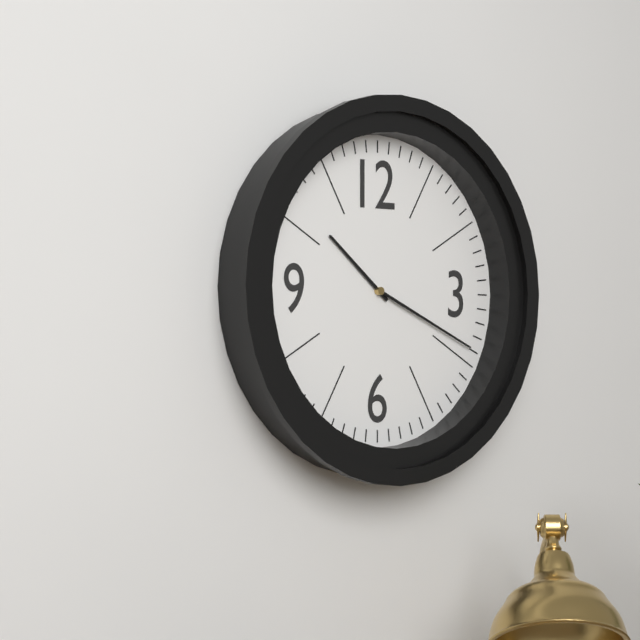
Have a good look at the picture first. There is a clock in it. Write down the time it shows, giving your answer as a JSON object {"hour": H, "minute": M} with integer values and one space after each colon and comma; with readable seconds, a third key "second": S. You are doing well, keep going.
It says {"hour": 10, "minute": 19}
